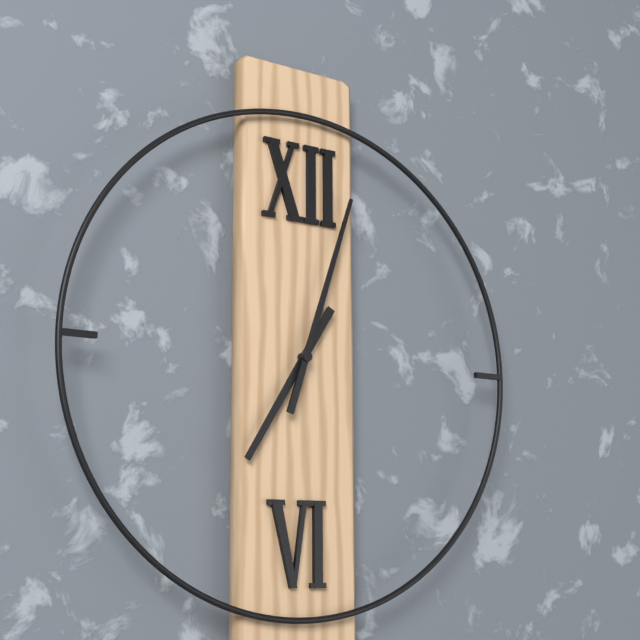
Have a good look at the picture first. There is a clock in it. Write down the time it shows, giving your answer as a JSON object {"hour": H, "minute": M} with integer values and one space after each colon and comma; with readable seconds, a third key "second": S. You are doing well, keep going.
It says {"hour": 7, "minute": 3}
